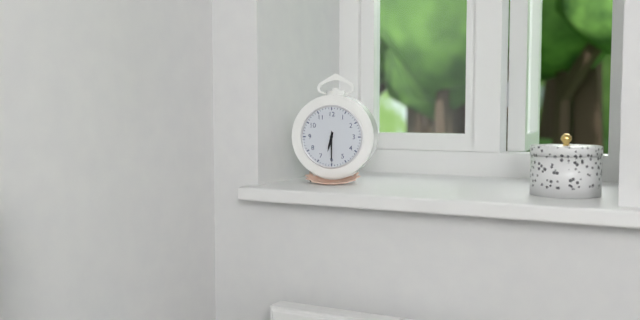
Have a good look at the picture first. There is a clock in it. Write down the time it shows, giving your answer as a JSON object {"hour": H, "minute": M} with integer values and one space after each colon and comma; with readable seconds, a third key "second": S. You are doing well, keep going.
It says {"hour": 6, "minute": 30}
